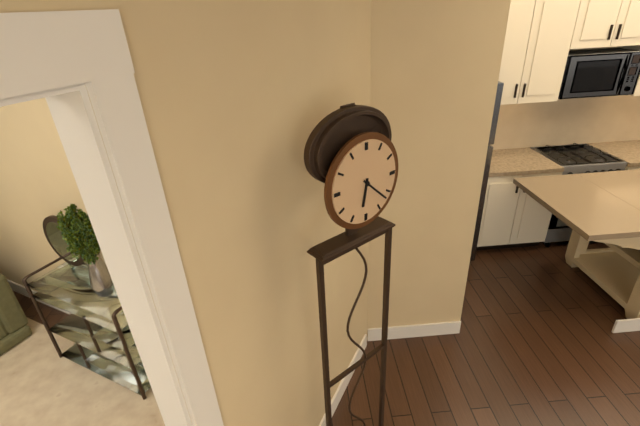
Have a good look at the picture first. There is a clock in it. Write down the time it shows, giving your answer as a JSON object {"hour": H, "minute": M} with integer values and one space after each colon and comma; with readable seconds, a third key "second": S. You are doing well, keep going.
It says {"hour": 6, "minute": 22}
